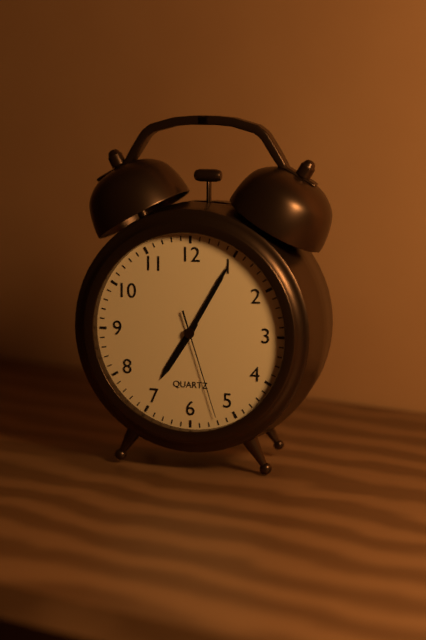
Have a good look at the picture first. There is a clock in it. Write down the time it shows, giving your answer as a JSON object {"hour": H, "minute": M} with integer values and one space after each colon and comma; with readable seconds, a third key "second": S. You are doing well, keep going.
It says {"hour": 7, "minute": 5, "second": 27}
